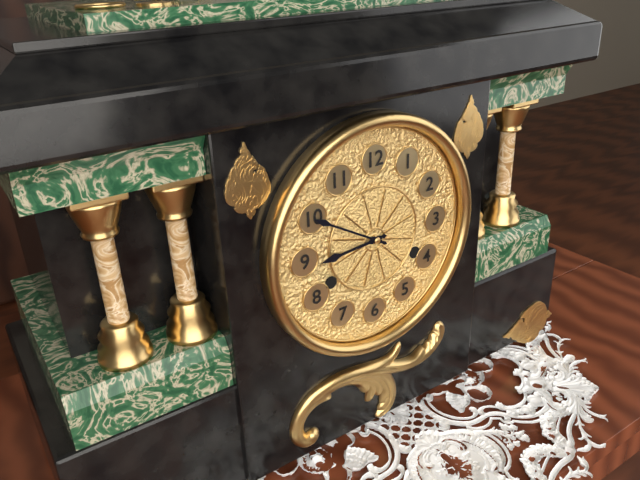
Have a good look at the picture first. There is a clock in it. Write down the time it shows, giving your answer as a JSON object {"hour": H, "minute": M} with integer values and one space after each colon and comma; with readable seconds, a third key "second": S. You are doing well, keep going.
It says {"hour": 8, "minute": 50}
